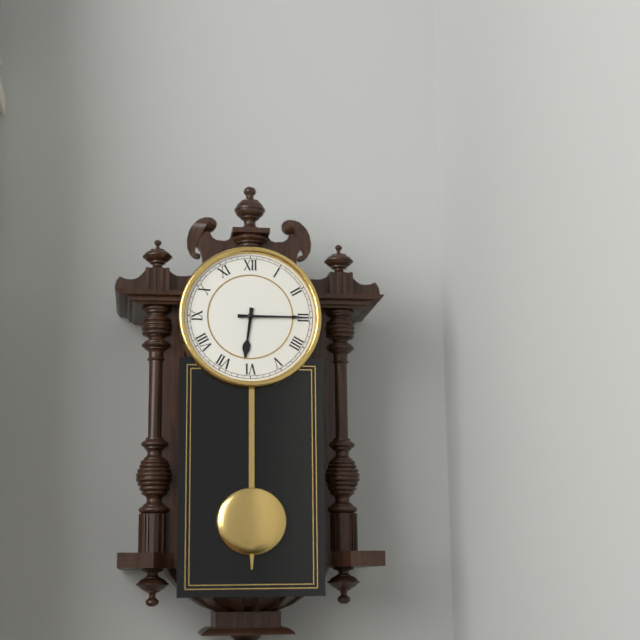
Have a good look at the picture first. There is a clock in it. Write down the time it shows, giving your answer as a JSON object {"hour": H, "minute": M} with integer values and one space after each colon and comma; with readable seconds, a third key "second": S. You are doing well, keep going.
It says {"hour": 6, "minute": 15}
